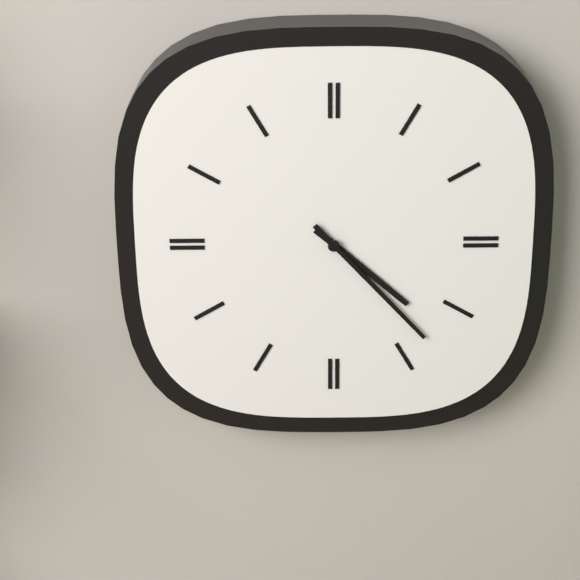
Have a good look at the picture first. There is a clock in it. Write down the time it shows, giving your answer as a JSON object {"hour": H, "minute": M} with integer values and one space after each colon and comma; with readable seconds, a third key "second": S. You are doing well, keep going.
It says {"hour": 4, "minute": 23}
